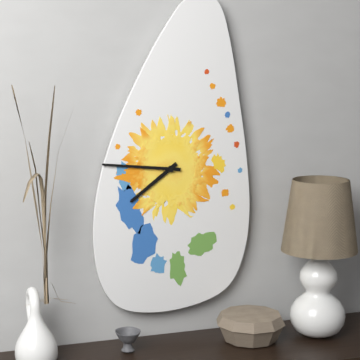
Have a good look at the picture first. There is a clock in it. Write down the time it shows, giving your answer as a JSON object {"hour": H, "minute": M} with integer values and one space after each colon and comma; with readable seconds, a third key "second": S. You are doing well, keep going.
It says {"hour": 7, "minute": 46}
